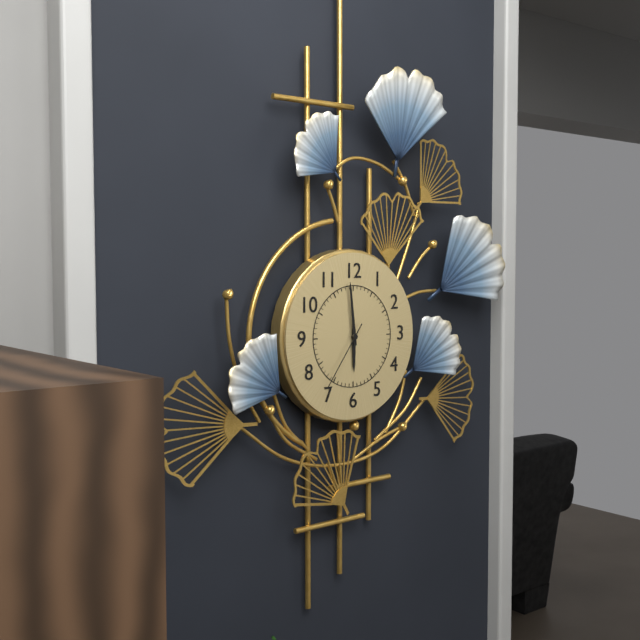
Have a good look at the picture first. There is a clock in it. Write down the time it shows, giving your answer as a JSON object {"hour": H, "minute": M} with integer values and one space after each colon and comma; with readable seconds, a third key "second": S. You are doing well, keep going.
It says {"hour": 5, "minute": 59, "second": 36}
